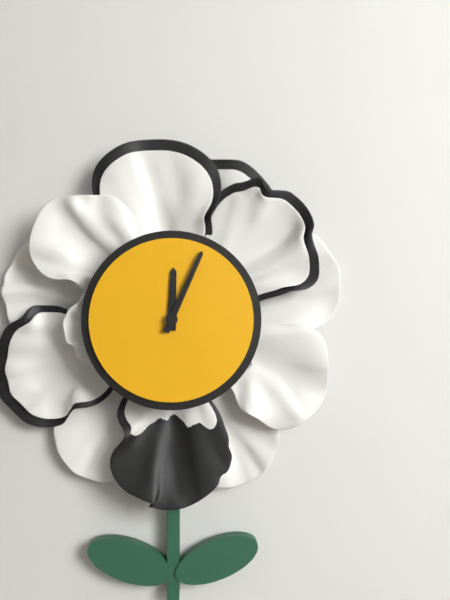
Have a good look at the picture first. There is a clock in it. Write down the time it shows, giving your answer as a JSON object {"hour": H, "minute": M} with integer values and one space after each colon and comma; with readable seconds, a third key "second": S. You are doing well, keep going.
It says {"hour": 12, "minute": 4}
